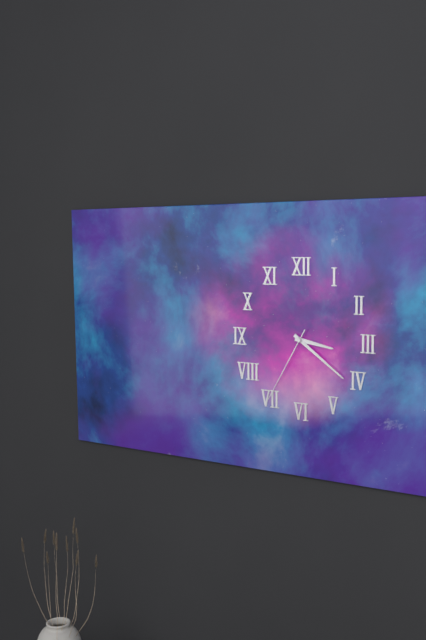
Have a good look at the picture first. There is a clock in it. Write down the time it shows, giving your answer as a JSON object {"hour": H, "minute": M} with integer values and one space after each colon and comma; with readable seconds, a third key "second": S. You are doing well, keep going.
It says {"hour": 3, "minute": 21, "second": 35}
